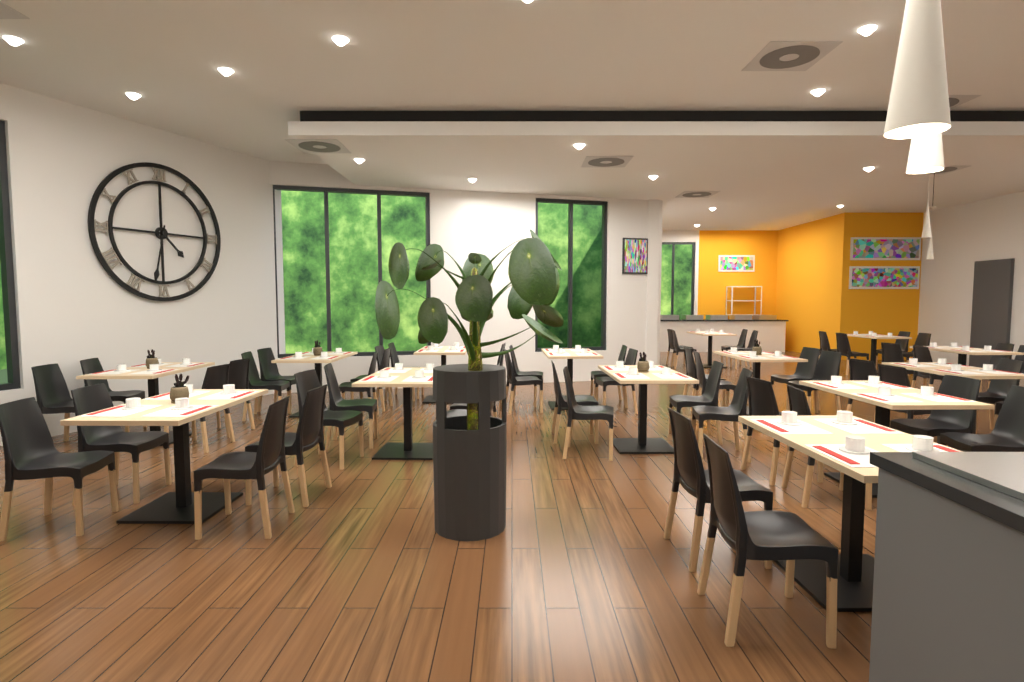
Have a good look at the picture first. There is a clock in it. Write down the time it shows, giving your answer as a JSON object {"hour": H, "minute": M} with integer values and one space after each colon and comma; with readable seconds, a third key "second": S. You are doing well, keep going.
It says {"hour": 4, "minute": 32}
